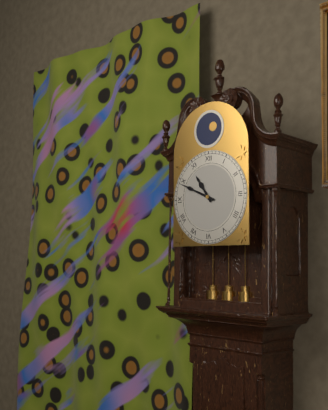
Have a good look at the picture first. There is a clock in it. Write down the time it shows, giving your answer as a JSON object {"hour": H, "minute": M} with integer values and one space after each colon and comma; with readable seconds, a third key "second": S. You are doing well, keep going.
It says {"hour": 10, "minute": 49}
